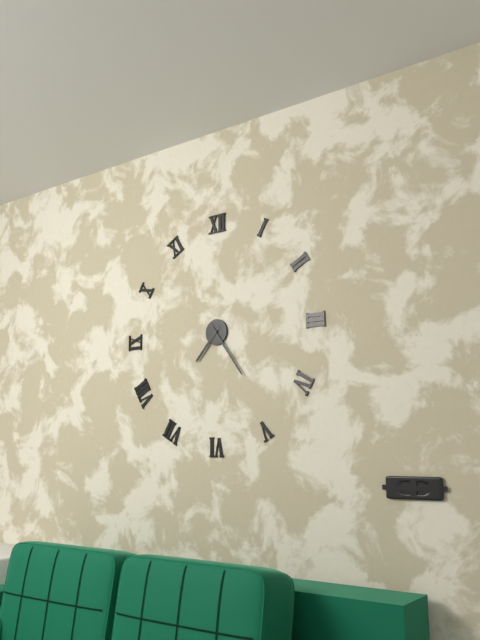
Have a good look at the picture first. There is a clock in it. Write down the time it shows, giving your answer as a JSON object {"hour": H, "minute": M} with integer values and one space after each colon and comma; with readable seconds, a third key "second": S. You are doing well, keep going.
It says {"hour": 7, "minute": 24}
